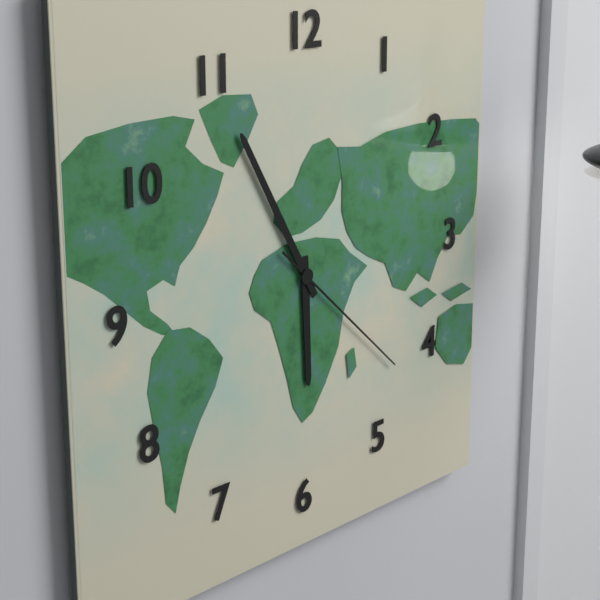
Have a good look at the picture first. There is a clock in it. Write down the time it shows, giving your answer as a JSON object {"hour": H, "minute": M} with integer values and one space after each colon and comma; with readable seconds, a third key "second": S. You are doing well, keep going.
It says {"hour": 5, "minute": 55, "second": 22}
